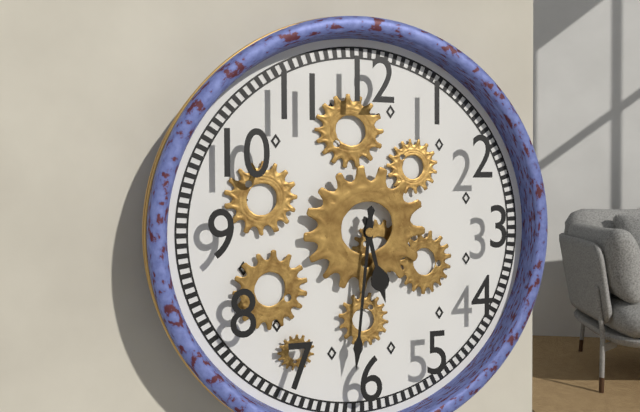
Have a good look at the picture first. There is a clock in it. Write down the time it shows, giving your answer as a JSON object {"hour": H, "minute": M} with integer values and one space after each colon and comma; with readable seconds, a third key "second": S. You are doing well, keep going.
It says {"hour": 5, "minute": 31}
